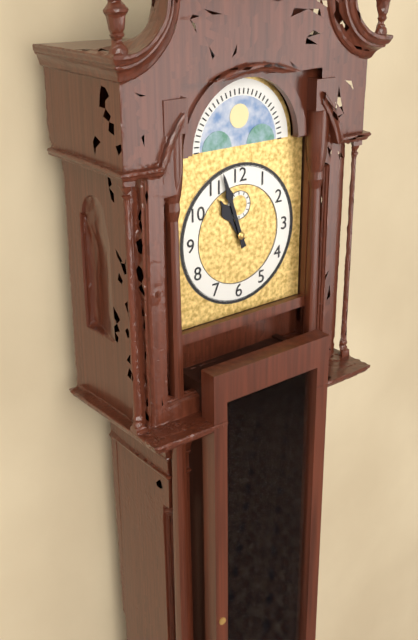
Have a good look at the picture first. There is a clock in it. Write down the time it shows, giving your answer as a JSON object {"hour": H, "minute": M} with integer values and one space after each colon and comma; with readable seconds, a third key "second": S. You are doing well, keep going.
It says {"hour": 10, "minute": 57}
